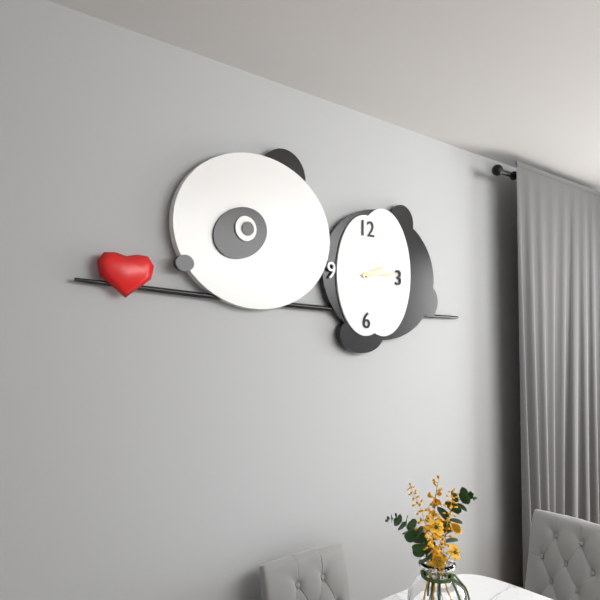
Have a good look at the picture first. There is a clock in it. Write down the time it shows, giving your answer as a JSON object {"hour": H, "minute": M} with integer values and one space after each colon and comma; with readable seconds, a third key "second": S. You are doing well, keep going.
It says {"hour": 2, "minute": 14}
